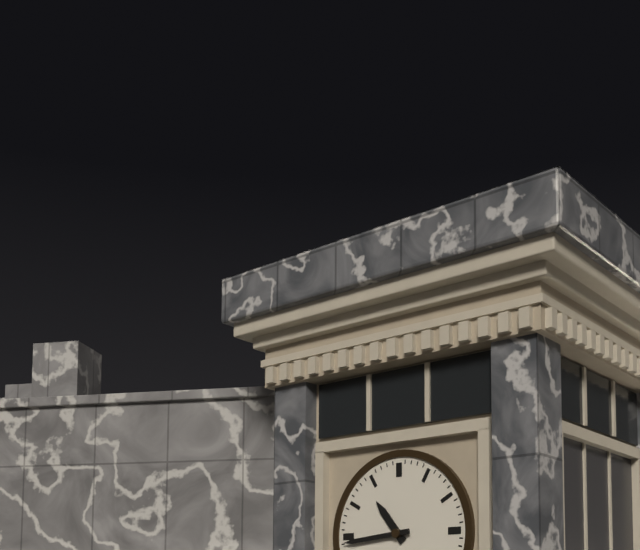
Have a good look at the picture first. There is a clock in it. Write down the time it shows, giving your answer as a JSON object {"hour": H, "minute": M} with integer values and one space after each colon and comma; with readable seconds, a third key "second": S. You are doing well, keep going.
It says {"hour": 10, "minute": 44}
